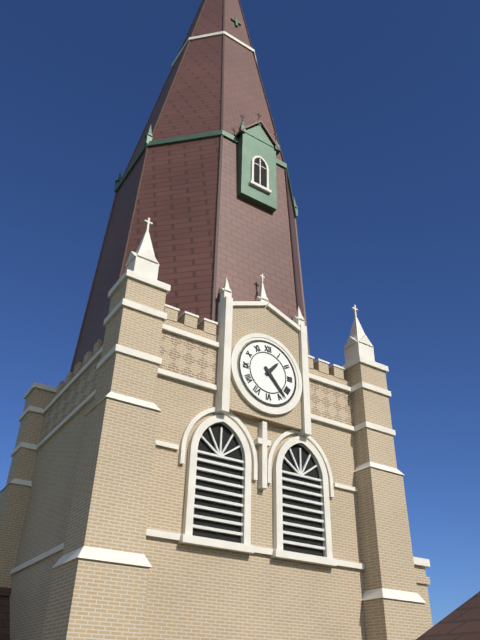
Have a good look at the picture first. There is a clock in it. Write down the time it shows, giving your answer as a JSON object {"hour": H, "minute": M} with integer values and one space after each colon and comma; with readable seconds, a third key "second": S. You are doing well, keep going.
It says {"hour": 1, "minute": 23}
